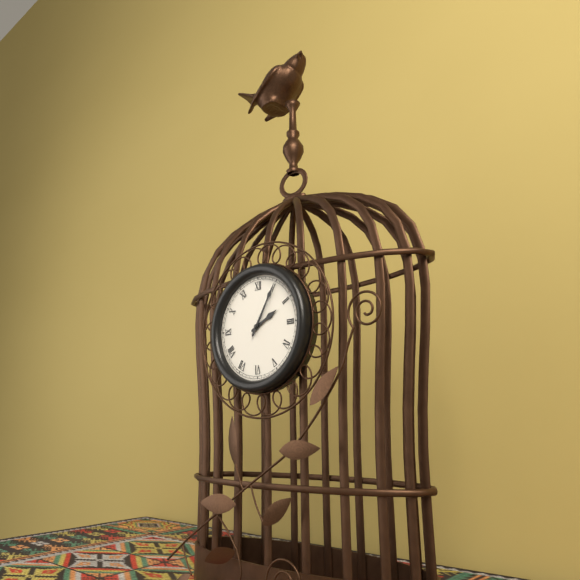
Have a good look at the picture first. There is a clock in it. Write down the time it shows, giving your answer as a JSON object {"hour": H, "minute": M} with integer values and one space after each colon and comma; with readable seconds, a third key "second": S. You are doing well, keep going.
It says {"hour": 2, "minute": 5}
